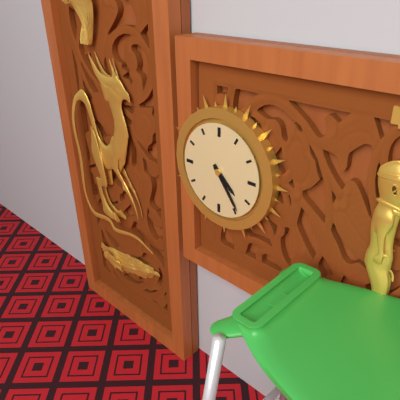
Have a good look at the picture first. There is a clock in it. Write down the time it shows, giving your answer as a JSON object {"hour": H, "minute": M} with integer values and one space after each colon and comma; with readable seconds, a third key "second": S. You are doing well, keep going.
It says {"hour": 4, "minute": 24}
